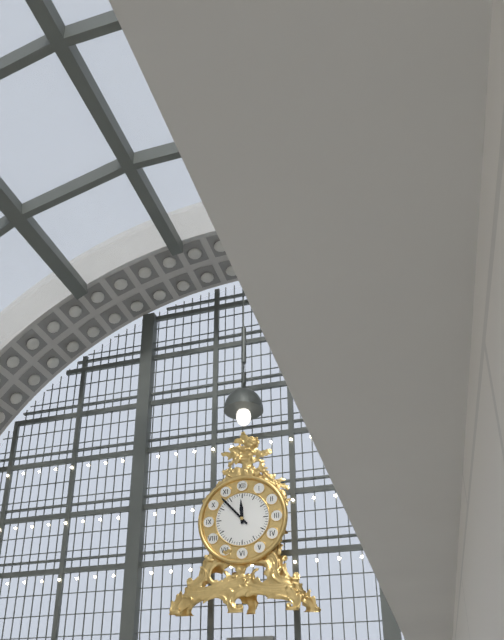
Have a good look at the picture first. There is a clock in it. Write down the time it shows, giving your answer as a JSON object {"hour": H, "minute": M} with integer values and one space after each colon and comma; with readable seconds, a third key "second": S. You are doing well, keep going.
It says {"hour": 11, "minute": 53}
